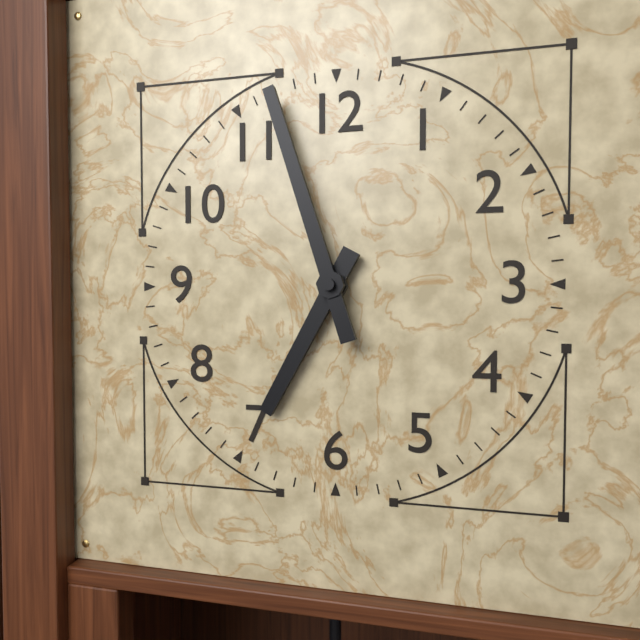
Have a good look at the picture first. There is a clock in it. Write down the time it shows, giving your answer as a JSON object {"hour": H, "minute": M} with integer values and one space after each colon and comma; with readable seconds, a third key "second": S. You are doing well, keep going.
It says {"hour": 6, "minute": 57}
